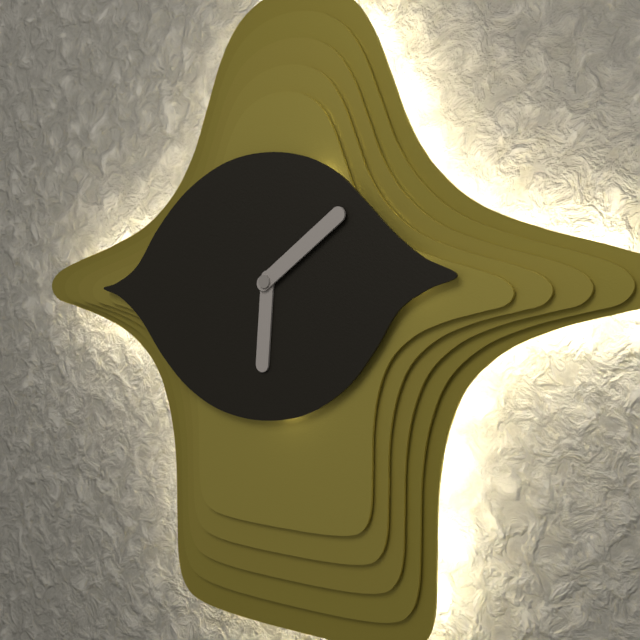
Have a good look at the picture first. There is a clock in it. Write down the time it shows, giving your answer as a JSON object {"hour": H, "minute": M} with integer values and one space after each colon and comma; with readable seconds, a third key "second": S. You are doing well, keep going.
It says {"hour": 6, "minute": 9}
